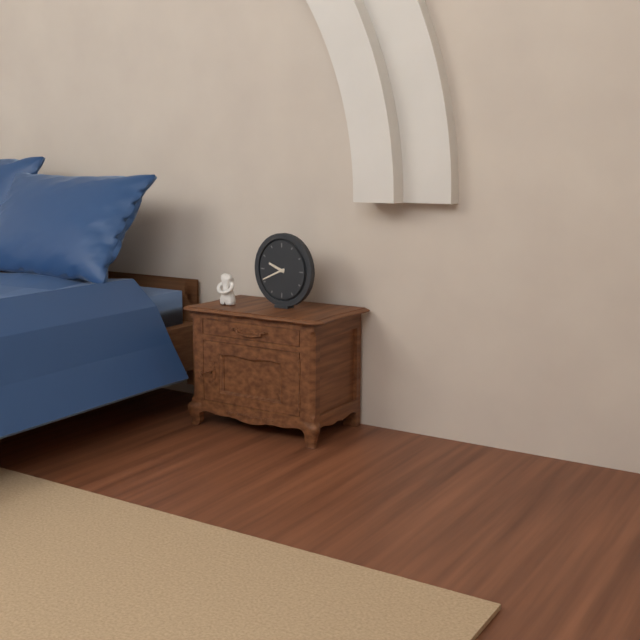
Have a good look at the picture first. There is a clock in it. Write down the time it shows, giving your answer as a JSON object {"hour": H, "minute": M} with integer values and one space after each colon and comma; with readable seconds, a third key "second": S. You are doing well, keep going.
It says {"hour": 9, "minute": 41}
